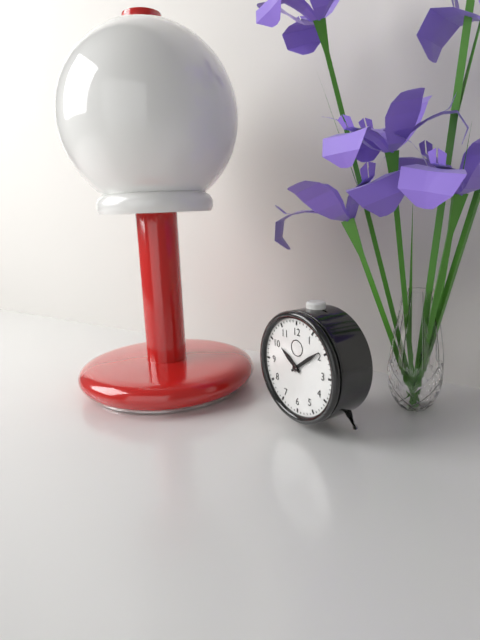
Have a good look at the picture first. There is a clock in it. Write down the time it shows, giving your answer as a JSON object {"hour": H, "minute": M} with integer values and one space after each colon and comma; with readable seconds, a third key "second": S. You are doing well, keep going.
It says {"hour": 10, "minute": 9}
